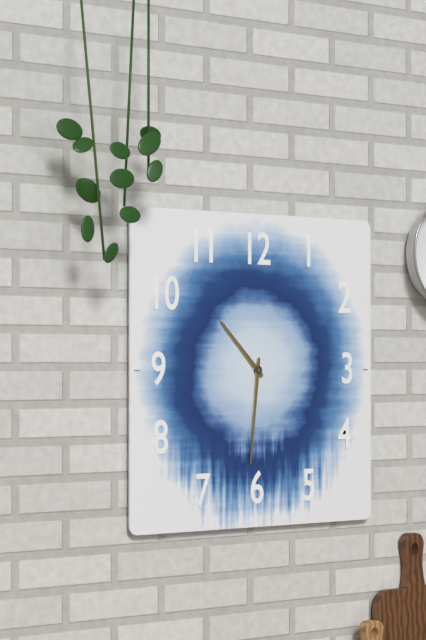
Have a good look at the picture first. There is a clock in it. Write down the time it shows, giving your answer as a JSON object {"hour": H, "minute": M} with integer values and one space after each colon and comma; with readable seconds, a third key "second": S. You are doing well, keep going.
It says {"hour": 10, "minute": 31}
